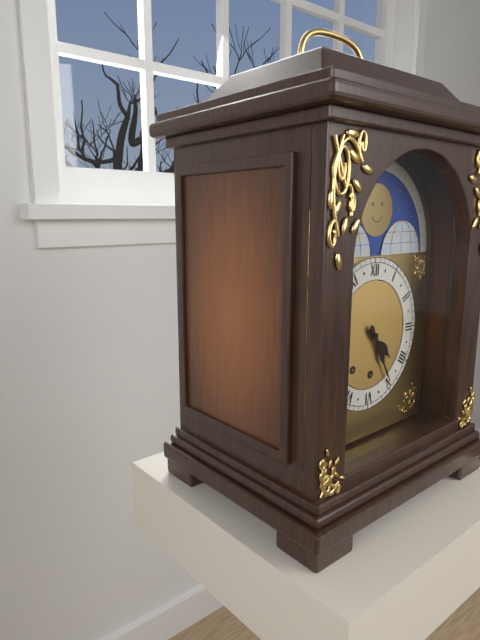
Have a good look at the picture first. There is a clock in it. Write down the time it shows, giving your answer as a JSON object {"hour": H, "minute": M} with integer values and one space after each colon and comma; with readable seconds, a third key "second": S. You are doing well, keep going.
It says {"hour": 4, "minute": 25}
